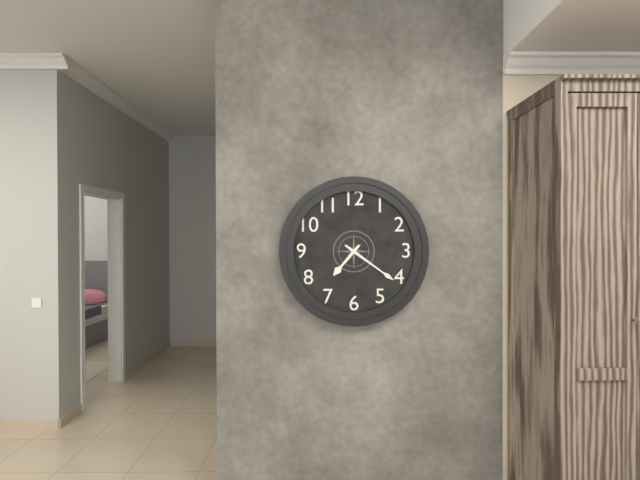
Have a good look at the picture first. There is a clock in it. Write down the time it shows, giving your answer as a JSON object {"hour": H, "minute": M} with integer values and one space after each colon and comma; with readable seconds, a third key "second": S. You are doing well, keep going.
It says {"hour": 7, "minute": 21}
